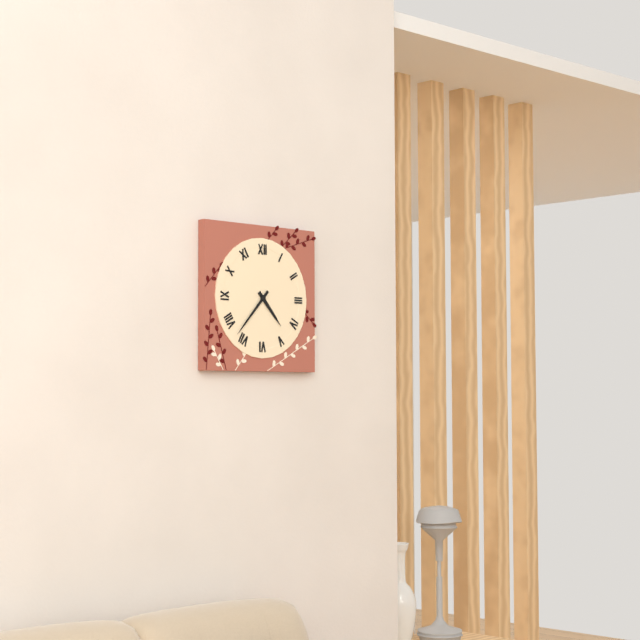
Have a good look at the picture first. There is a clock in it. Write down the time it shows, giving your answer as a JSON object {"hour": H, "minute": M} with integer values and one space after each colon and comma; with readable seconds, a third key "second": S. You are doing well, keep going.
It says {"hour": 4, "minute": 37}
